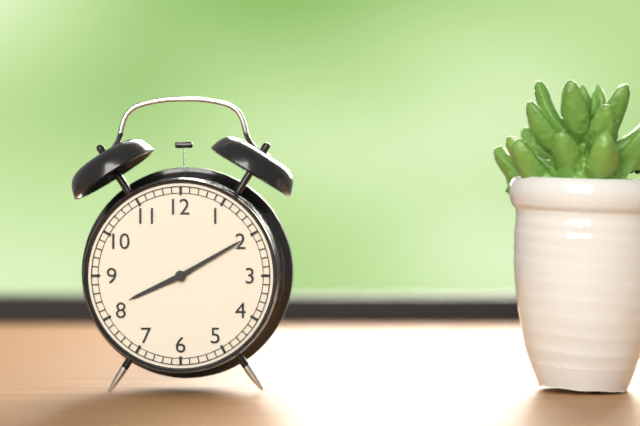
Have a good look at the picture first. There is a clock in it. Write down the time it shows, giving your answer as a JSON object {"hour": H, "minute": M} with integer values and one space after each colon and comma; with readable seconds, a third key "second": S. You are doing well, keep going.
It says {"hour": 8, "minute": 10}
